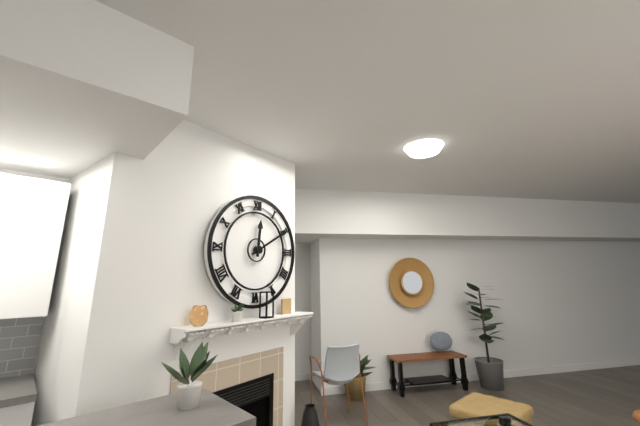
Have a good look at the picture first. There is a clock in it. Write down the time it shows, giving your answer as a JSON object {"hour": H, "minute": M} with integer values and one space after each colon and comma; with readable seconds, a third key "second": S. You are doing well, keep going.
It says {"hour": 12, "minute": 10}
